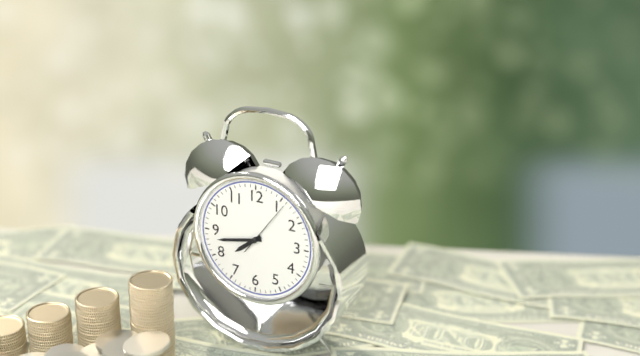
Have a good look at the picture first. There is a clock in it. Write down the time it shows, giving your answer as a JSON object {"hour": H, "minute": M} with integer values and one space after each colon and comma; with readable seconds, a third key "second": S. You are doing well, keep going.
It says {"hour": 7, "minute": 43, "second": 6}
